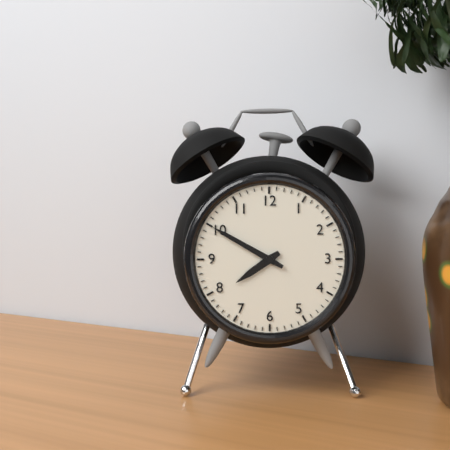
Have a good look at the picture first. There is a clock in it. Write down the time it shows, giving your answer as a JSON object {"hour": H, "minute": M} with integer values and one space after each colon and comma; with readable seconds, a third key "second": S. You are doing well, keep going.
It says {"hour": 7, "minute": 50}
